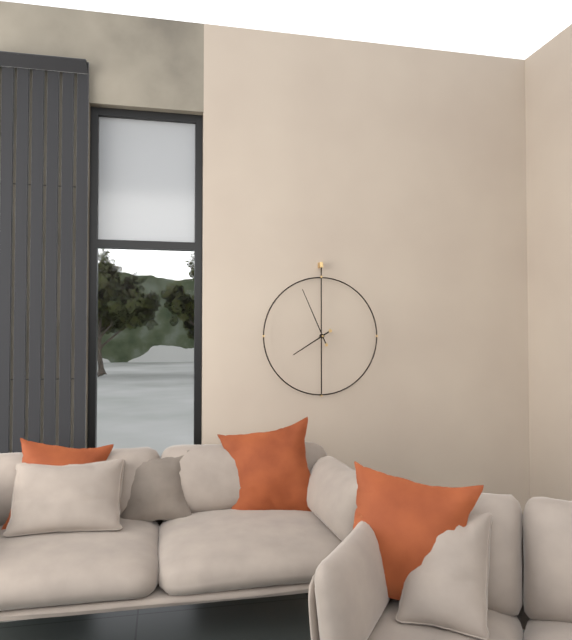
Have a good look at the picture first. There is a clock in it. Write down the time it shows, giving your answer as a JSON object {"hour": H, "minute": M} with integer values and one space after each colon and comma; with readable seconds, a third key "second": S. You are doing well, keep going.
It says {"hour": 7, "minute": 56}
